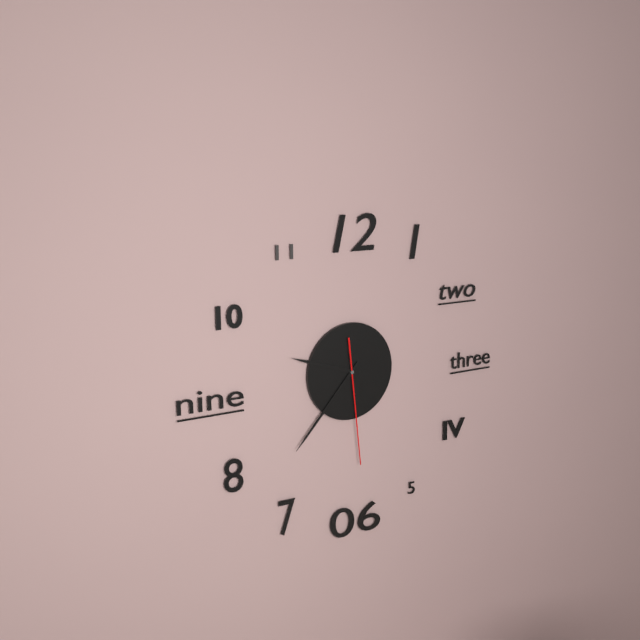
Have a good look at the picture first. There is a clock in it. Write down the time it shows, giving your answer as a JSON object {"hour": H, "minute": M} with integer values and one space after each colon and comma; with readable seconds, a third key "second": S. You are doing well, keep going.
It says {"hour": 9, "minute": 37, "second": 29}
